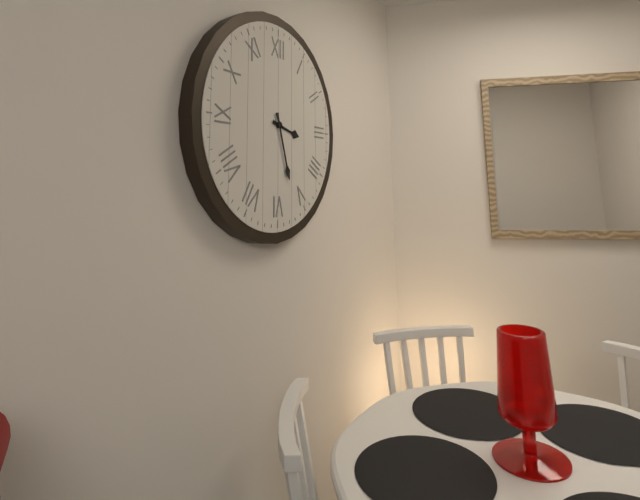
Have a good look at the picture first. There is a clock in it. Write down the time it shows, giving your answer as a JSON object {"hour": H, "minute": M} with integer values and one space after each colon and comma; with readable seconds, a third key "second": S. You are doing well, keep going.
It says {"hour": 3, "minute": 27}
